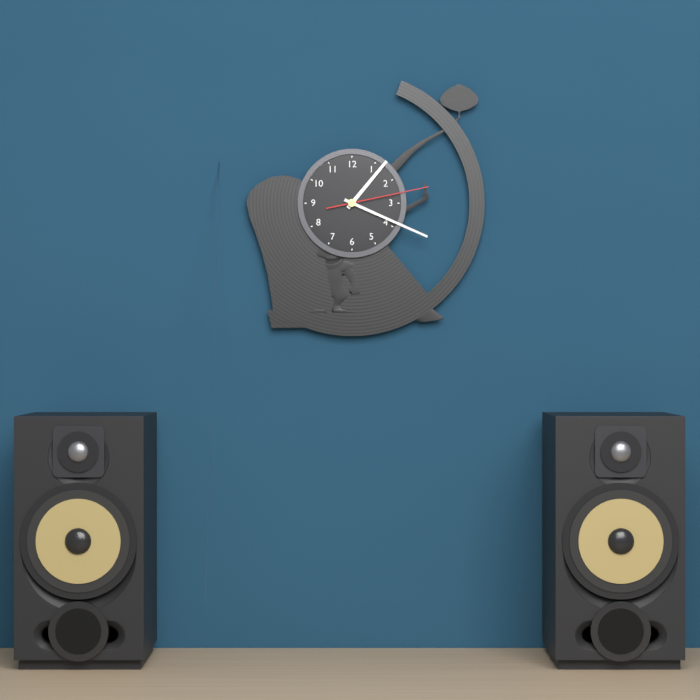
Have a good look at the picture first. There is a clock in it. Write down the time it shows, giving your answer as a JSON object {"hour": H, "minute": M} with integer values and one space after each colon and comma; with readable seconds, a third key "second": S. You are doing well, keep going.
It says {"hour": 1, "minute": 19, "second": 13}
